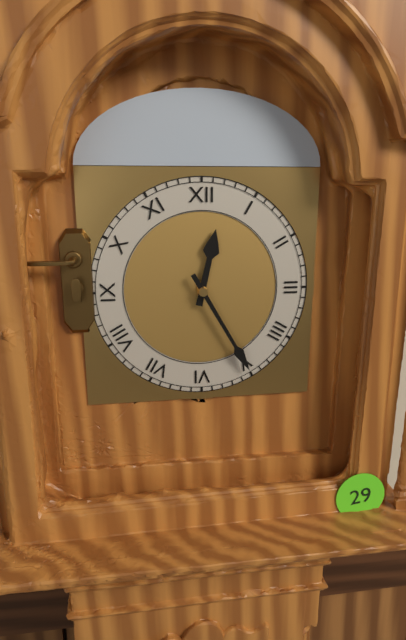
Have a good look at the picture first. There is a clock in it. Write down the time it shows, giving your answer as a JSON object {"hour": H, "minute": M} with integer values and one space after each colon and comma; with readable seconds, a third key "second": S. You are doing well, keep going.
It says {"hour": 12, "minute": 25}
